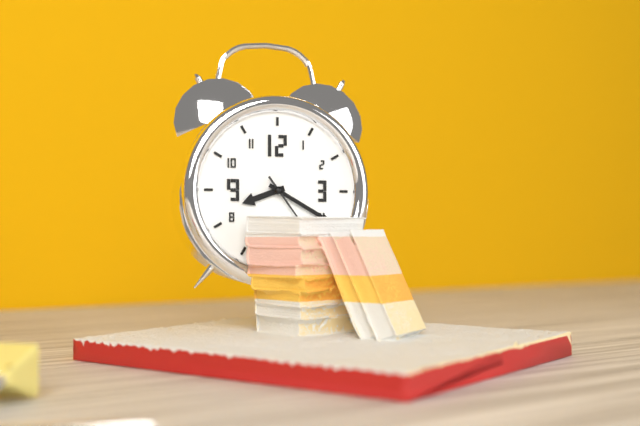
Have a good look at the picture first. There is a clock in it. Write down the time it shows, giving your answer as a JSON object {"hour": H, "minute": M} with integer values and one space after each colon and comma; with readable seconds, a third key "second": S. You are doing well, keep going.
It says {"hour": 8, "minute": 20}
